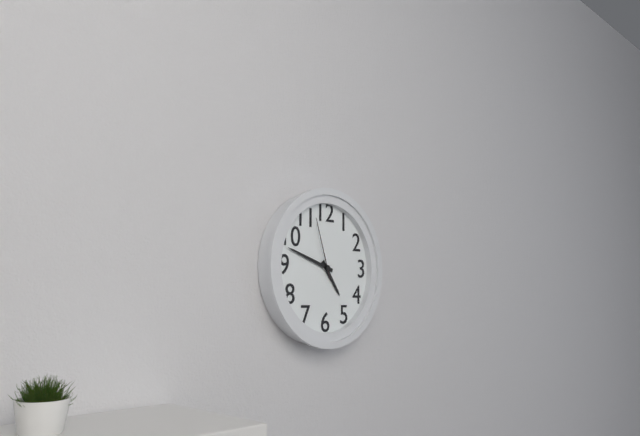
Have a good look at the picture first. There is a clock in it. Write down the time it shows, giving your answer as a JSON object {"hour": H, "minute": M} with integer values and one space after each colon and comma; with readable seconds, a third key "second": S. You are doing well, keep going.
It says {"hour": 4, "minute": 48, "second": 57}
